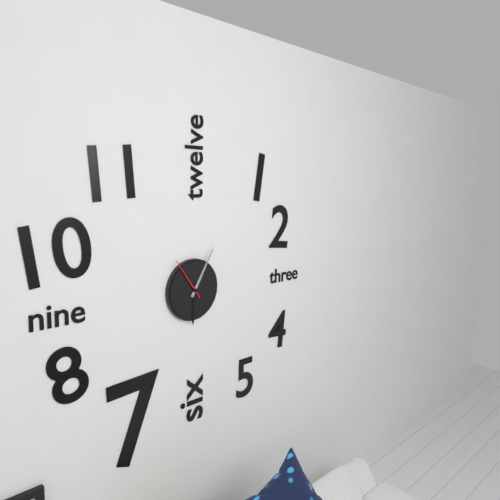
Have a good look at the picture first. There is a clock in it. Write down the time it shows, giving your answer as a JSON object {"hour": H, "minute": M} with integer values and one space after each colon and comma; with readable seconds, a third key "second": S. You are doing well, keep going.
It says {"hour": 6, "minute": 5}
